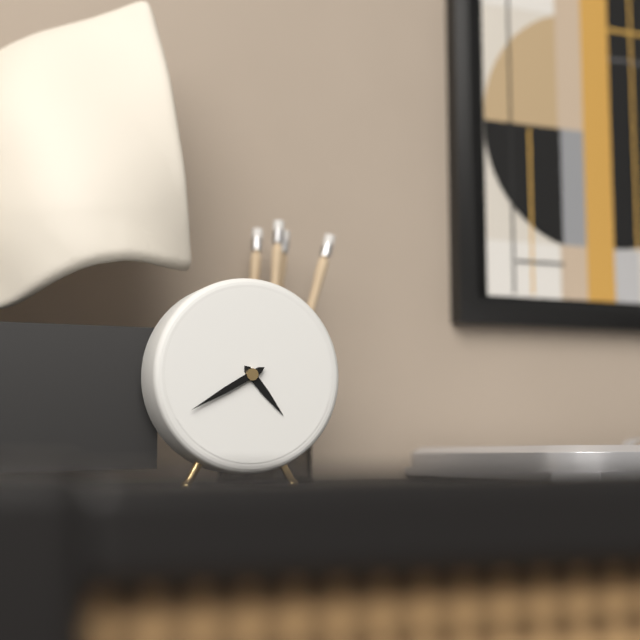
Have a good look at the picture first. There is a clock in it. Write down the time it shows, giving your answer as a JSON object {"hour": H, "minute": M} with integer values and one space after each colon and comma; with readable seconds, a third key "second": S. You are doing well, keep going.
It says {"hour": 4, "minute": 40}
